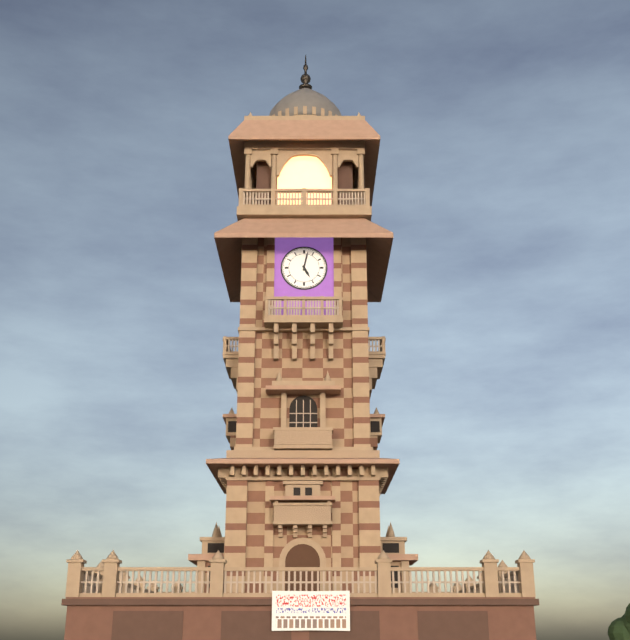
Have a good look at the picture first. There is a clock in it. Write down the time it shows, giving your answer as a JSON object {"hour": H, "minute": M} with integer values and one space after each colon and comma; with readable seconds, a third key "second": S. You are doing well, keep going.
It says {"hour": 5, "minute": 2}
